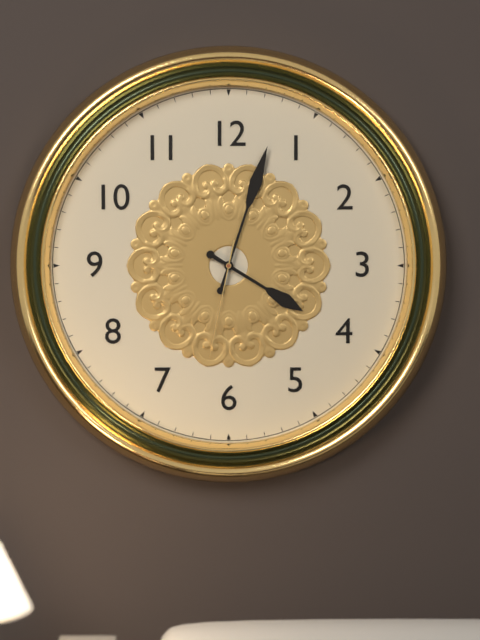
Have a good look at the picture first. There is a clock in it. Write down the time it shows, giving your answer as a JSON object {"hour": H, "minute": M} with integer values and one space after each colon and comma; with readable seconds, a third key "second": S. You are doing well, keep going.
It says {"hour": 4, "minute": 3, "second": 32}
